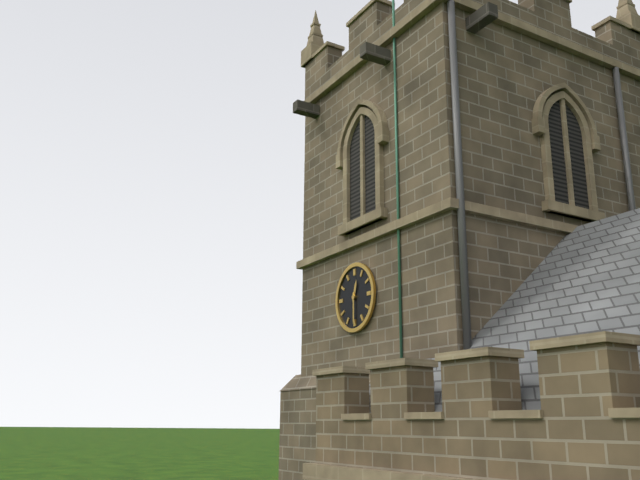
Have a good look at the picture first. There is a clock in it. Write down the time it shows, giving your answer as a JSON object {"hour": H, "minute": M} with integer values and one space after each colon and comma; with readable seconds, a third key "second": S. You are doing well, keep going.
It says {"hour": 12, "minute": 30}
